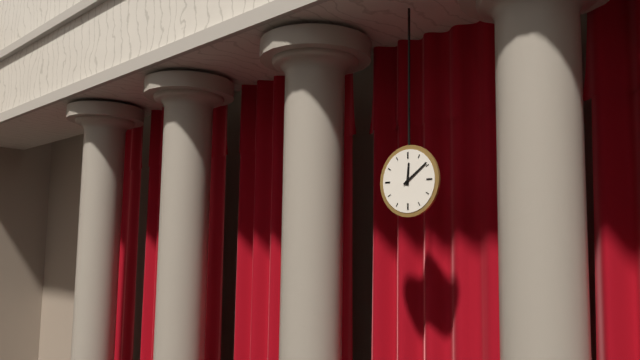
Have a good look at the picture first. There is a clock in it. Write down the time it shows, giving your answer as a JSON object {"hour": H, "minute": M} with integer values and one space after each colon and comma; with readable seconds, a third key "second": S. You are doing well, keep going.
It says {"hour": 12, "minute": 9}
